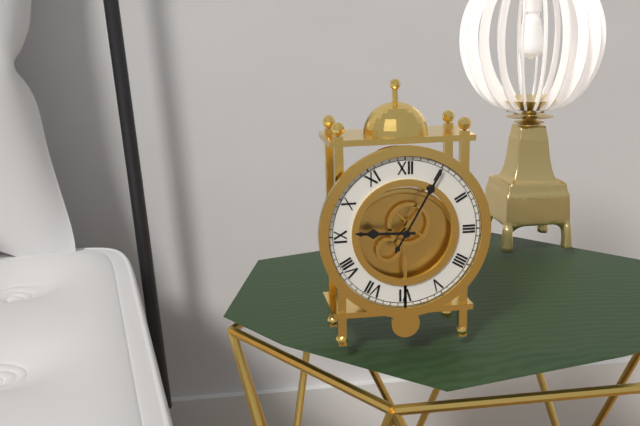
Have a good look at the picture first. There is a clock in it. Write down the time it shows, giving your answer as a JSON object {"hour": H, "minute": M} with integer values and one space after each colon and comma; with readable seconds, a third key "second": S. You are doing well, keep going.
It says {"hour": 9, "minute": 5}
